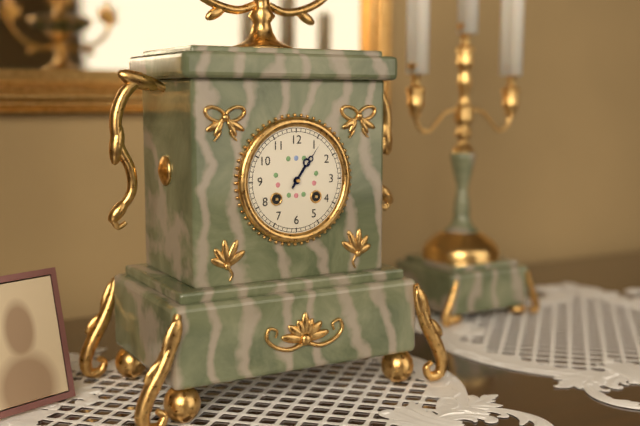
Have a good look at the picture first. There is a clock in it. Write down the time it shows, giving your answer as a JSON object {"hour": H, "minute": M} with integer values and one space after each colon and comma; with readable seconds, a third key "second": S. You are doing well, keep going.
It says {"hour": 1, "minute": 6}
